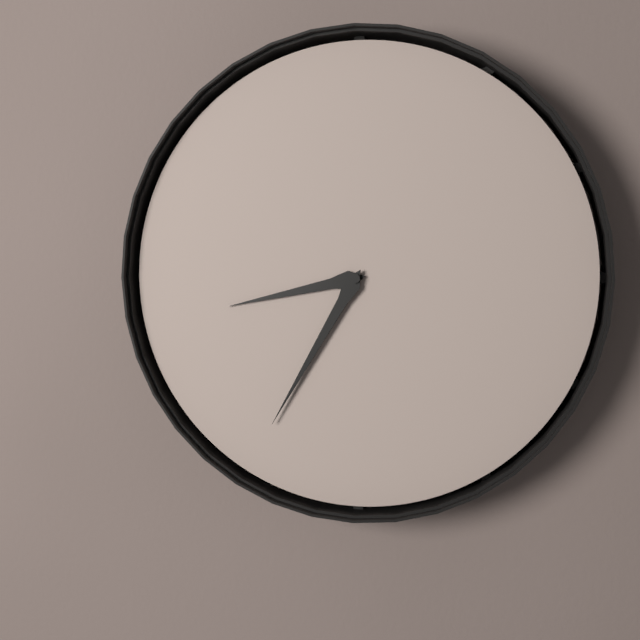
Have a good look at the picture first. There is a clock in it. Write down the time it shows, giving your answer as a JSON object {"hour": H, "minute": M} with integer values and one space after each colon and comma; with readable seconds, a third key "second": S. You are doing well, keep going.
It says {"hour": 8, "minute": 35}
